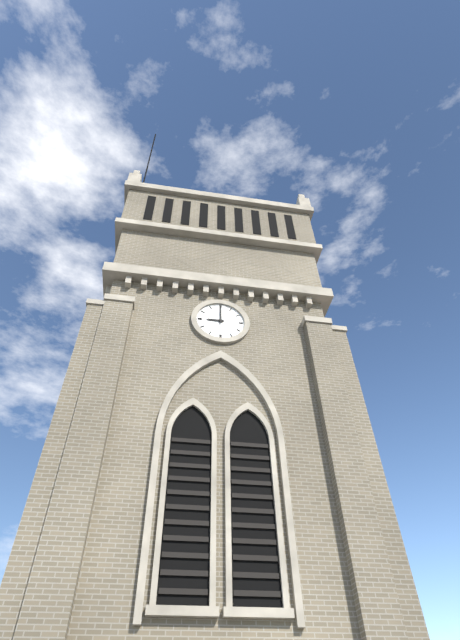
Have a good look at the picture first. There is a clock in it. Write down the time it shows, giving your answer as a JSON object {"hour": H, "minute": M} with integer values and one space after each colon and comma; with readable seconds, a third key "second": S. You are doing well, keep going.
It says {"hour": 9, "minute": 0}
